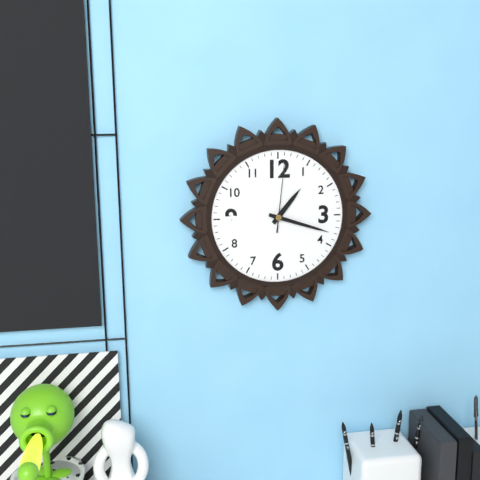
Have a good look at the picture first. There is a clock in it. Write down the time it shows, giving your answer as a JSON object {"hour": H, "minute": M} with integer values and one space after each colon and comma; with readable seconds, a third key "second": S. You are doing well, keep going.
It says {"hour": 1, "minute": 18, "second": 1}
